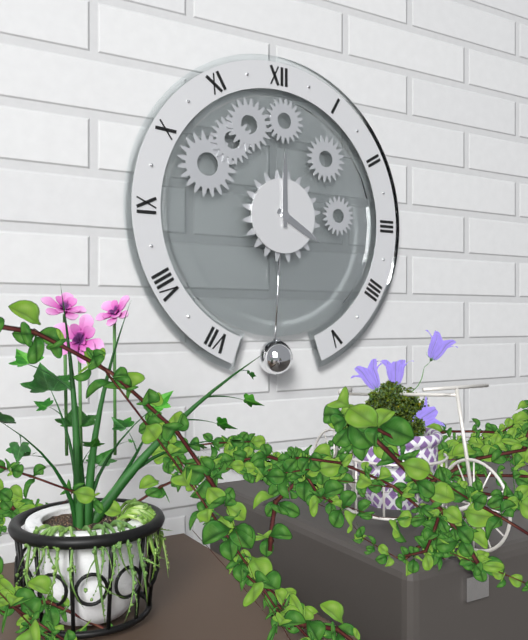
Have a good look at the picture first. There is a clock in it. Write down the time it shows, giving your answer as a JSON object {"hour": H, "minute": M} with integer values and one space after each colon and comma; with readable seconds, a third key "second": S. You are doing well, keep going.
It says {"hour": 4, "minute": 0}
